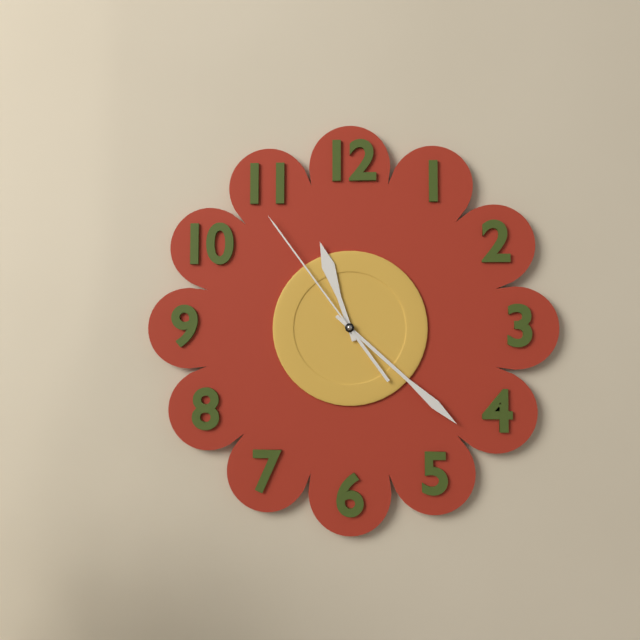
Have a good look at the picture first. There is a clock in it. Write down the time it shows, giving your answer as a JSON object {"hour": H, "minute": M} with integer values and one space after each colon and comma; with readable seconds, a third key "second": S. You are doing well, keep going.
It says {"hour": 11, "minute": 22, "second": 54}
